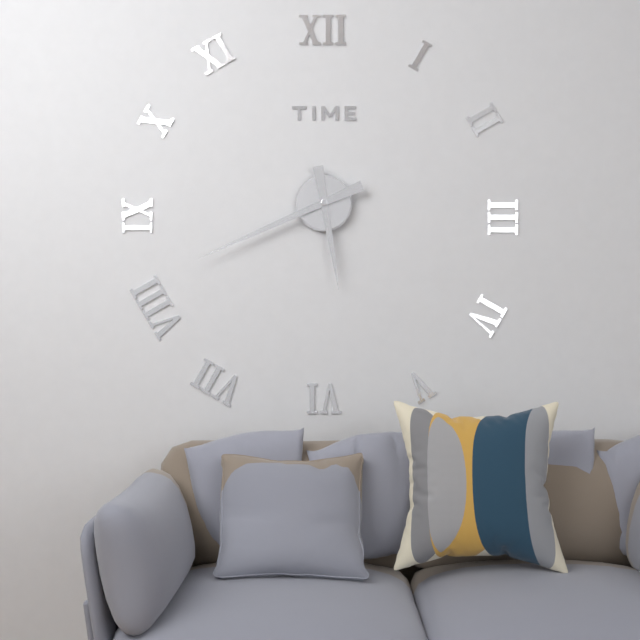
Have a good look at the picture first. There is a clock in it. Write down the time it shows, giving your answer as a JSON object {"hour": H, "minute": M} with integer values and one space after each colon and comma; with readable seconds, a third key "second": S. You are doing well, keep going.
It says {"hour": 5, "minute": 41}
